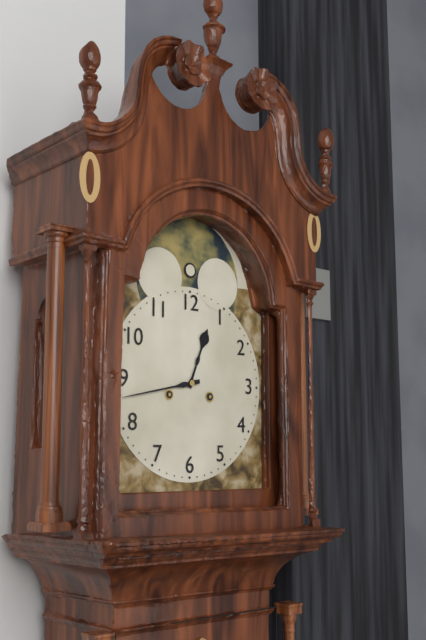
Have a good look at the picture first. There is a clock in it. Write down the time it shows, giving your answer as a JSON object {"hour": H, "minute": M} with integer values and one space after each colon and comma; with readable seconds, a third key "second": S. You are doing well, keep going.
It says {"hour": 12, "minute": 43}
